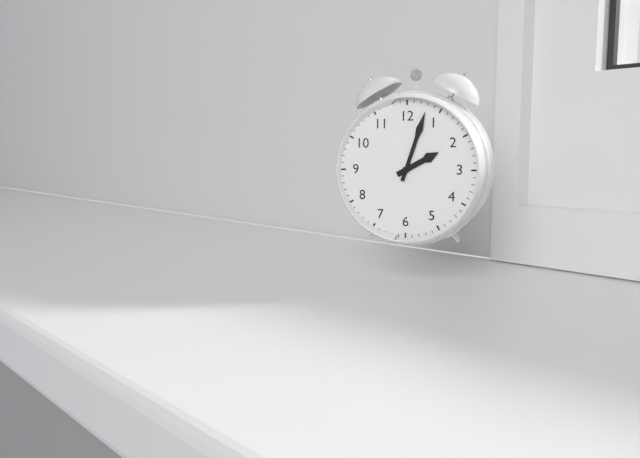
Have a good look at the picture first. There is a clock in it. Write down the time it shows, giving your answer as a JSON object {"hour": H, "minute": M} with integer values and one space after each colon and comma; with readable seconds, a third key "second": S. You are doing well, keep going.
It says {"hour": 2, "minute": 3}
